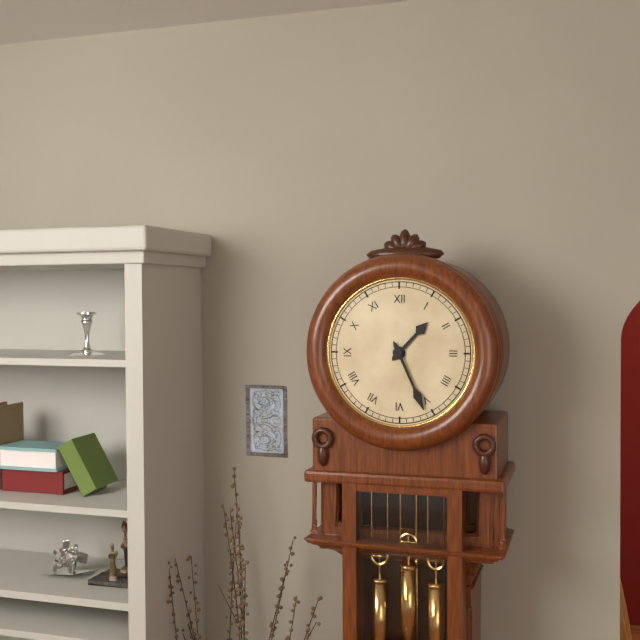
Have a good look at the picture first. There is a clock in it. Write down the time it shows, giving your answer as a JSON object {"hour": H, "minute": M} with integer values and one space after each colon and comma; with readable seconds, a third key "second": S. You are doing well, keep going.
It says {"hour": 1, "minute": 26}
